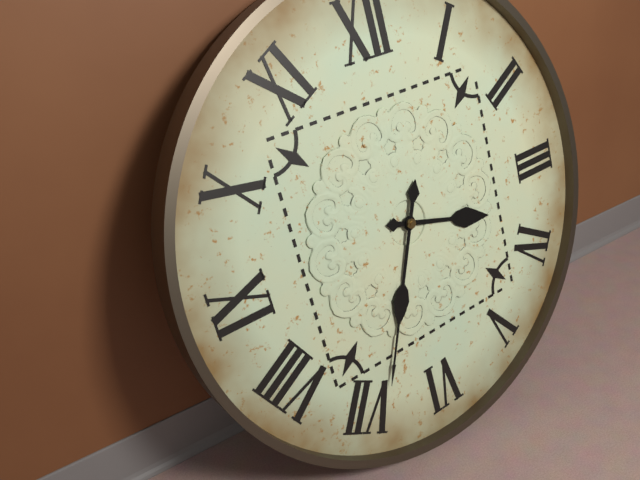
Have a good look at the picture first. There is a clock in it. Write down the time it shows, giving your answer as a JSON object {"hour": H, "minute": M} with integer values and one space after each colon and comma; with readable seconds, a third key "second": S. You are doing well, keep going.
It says {"hour": 3, "minute": 34}
